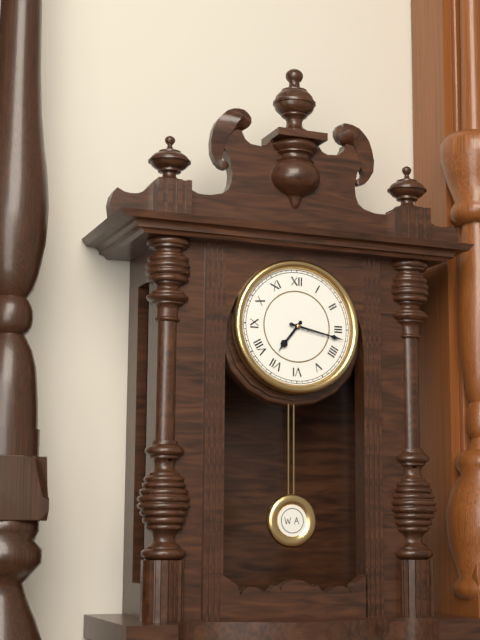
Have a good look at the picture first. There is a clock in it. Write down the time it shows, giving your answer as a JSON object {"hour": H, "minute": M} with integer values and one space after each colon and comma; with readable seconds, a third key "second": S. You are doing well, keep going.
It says {"hour": 7, "minute": 17}
